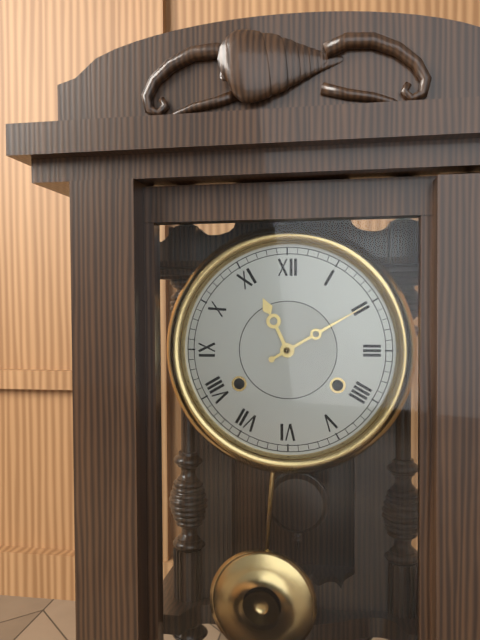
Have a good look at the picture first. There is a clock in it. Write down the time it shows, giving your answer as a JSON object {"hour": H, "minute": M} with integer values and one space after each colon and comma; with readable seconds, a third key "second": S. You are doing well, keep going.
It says {"hour": 11, "minute": 10}
